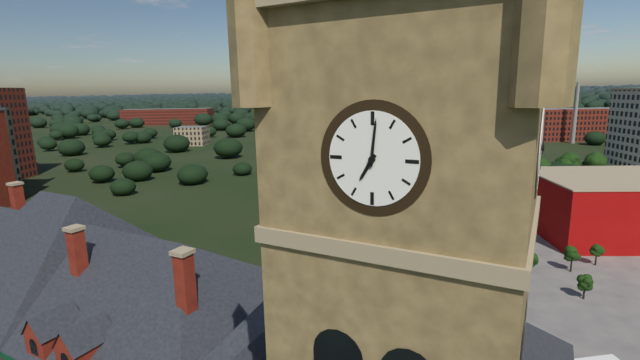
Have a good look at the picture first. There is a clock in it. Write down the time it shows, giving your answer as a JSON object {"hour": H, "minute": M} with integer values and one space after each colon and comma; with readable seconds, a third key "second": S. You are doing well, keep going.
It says {"hour": 7, "minute": 1}
